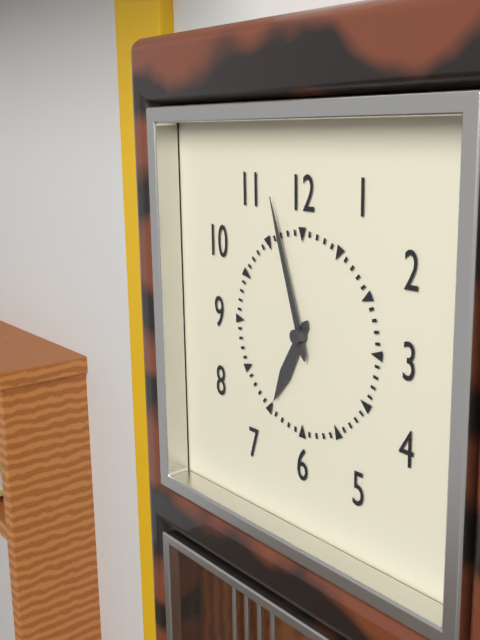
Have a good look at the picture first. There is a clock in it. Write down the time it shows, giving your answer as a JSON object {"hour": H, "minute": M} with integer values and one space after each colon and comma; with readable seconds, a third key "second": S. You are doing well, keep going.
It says {"hour": 6, "minute": 57}
